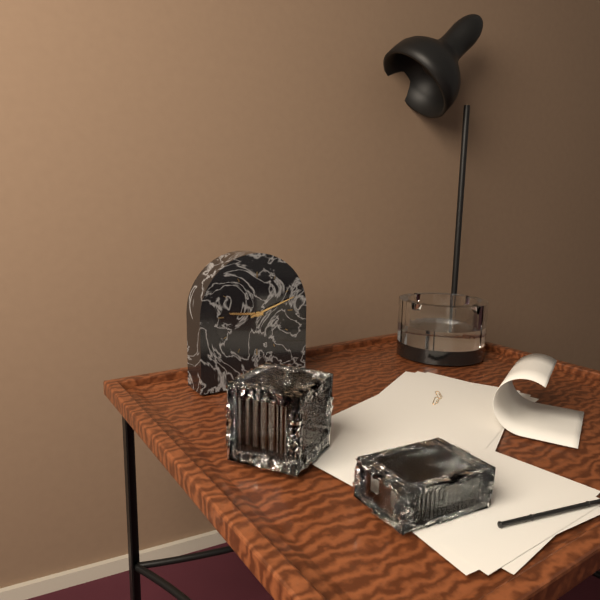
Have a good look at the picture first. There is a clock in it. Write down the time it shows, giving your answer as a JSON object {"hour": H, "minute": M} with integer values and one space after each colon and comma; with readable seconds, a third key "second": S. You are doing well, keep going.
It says {"hour": 9, "minute": 12}
